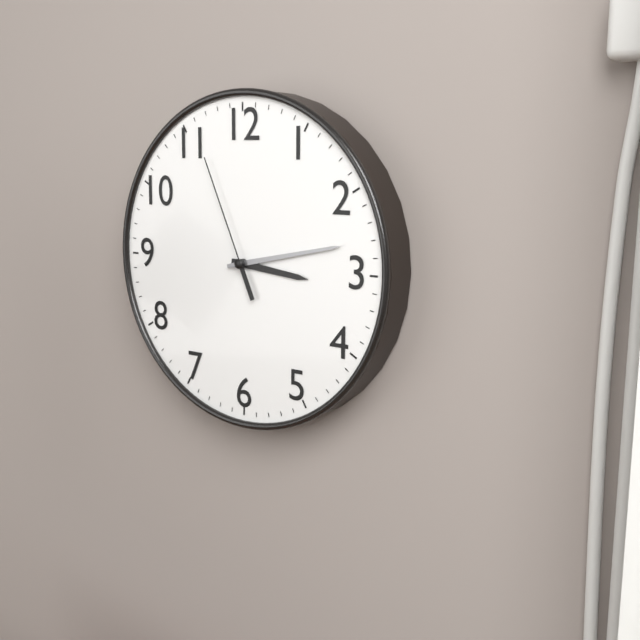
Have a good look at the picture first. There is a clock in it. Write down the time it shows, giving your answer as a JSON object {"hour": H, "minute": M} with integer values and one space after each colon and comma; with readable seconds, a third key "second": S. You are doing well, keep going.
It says {"hour": 3, "minute": 13, "second": 56}
